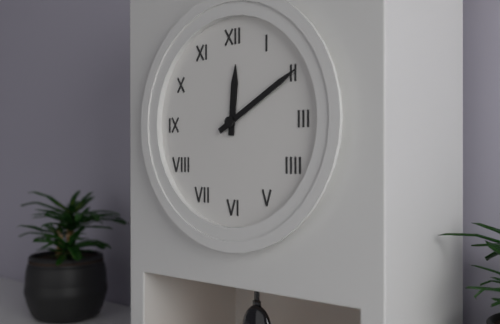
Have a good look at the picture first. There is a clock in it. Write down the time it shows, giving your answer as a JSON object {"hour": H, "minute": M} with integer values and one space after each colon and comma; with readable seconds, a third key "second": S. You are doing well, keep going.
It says {"hour": 12, "minute": 10}
